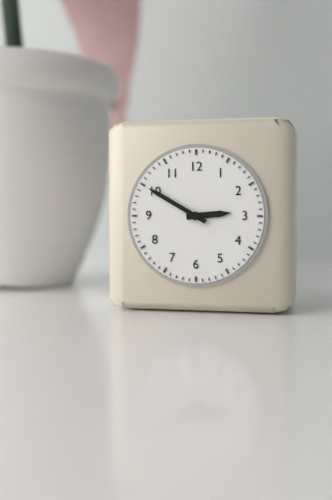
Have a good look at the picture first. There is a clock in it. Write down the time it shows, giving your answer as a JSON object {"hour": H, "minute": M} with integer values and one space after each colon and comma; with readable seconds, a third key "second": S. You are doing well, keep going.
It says {"hour": 2, "minute": 50}
